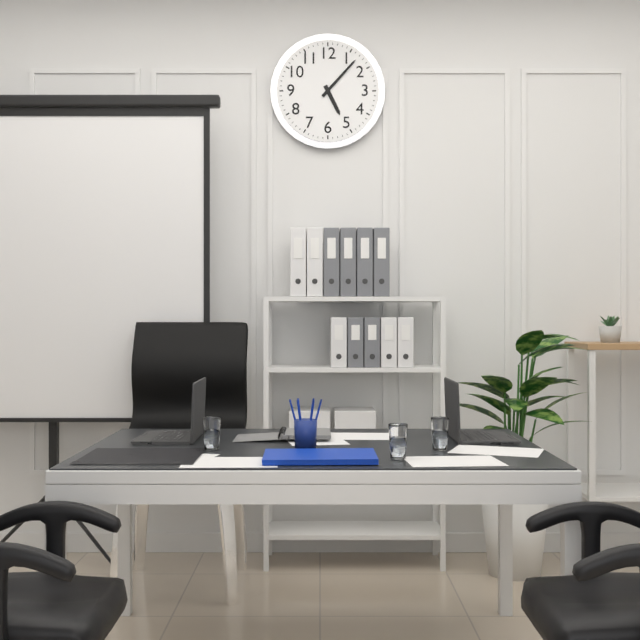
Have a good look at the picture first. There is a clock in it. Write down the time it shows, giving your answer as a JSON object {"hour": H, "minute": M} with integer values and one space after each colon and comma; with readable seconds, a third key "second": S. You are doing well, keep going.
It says {"hour": 5, "minute": 7}
